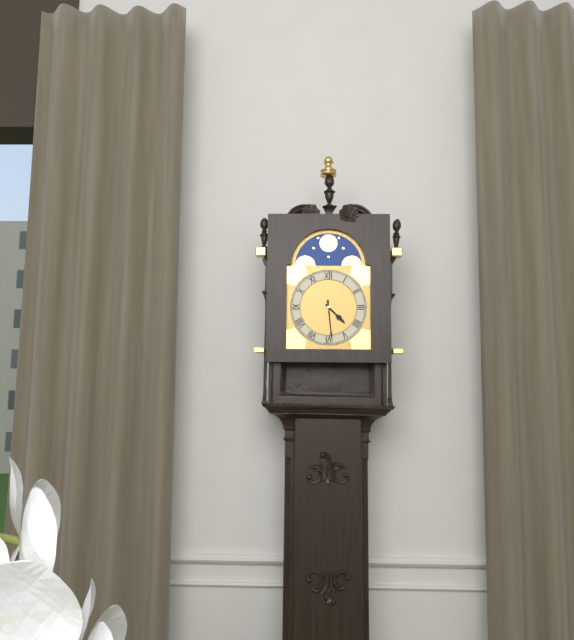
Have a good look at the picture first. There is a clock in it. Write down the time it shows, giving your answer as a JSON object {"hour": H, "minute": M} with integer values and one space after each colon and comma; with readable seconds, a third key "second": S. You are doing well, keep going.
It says {"hour": 4, "minute": 29}
